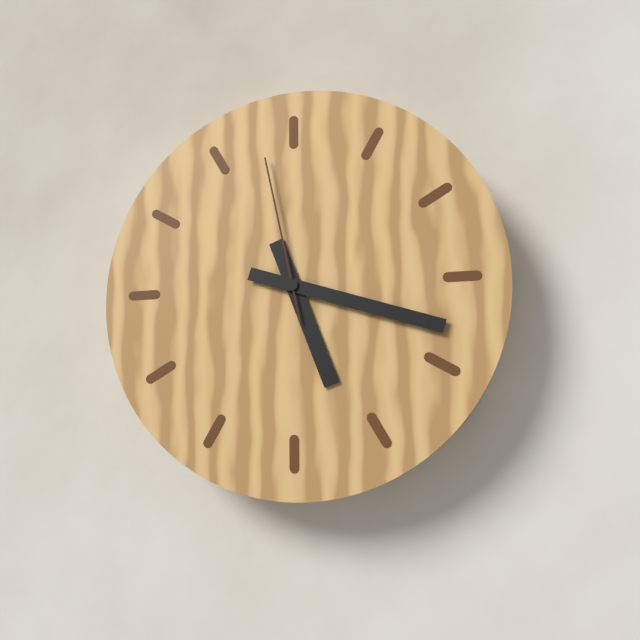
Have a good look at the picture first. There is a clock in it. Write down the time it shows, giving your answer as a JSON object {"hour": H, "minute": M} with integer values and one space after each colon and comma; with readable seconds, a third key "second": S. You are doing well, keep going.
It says {"hour": 5, "minute": 18, "second": 58}
